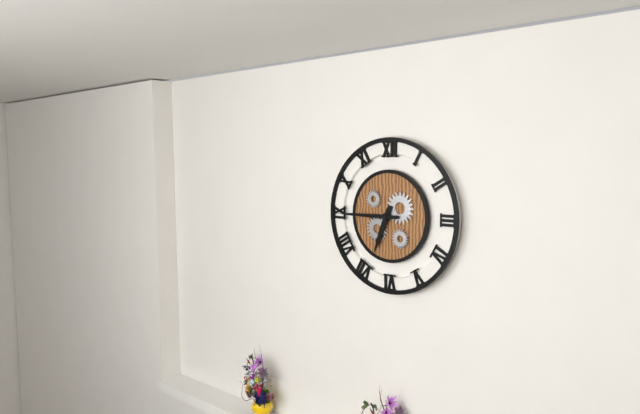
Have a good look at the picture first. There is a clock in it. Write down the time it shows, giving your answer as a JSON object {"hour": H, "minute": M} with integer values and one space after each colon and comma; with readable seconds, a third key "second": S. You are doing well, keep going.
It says {"hour": 6, "minute": 45}
